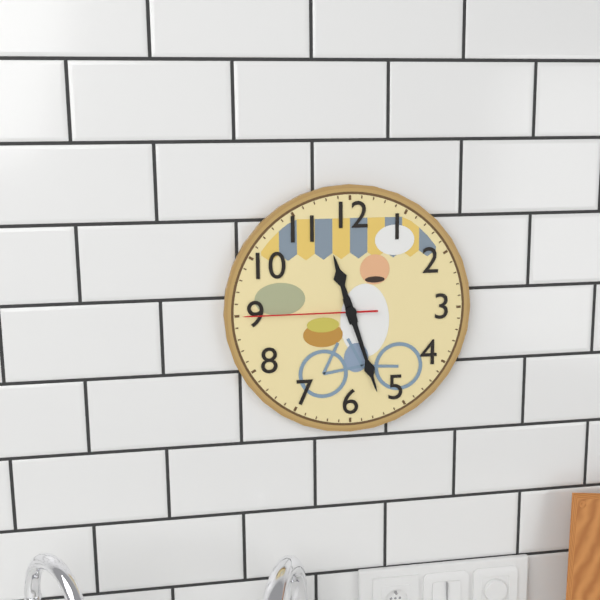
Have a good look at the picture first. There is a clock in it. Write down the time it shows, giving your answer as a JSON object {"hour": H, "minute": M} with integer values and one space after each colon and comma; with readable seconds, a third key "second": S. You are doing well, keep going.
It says {"hour": 11, "minute": 27, "second": 45}
